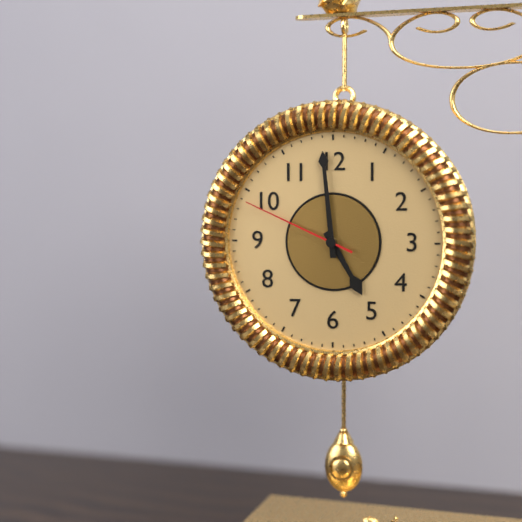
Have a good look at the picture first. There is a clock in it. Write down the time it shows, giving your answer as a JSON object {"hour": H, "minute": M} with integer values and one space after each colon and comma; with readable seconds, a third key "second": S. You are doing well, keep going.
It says {"hour": 4, "minute": 59, "second": 49}
